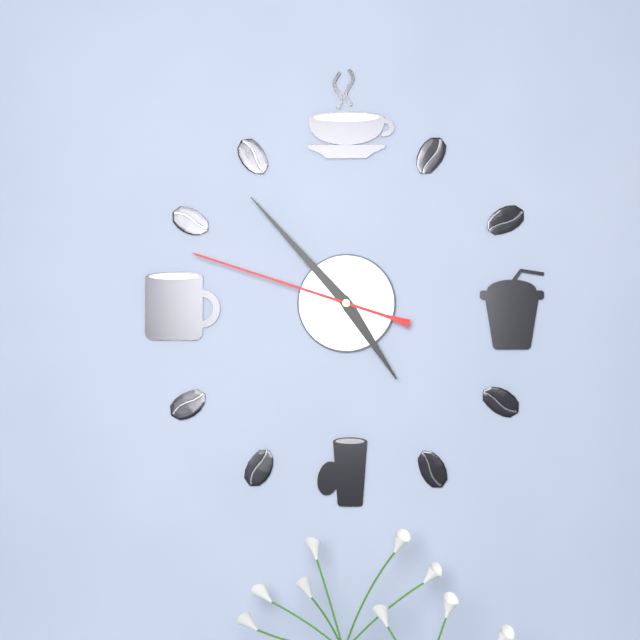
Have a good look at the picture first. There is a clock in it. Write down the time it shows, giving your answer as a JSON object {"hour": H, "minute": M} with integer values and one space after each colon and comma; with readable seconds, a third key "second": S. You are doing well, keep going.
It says {"hour": 4, "minute": 53, "second": 48}
